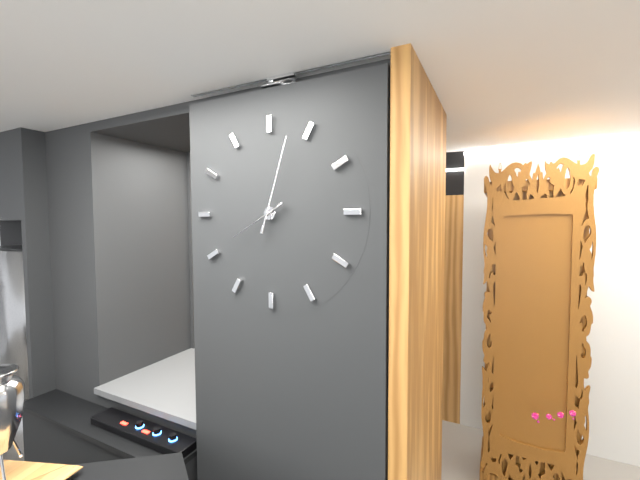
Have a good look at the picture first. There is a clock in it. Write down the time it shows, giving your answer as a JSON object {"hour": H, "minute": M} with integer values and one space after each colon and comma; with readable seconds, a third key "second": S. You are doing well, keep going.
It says {"hour": 8, "minute": 3}
